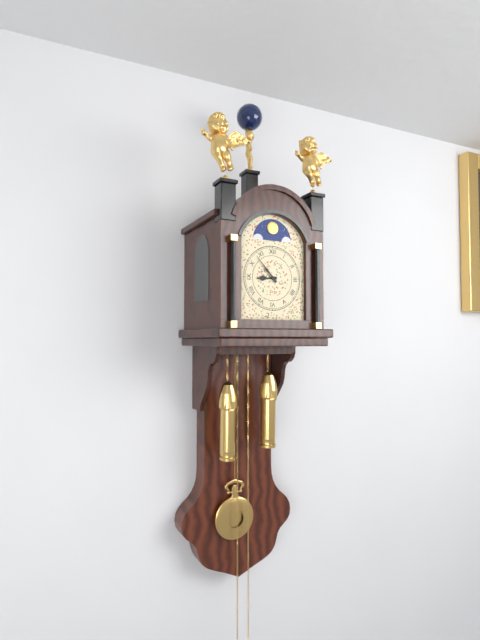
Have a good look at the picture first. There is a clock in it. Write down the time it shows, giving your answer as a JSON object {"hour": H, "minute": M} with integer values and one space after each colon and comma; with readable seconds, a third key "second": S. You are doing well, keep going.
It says {"hour": 8, "minute": 53}
